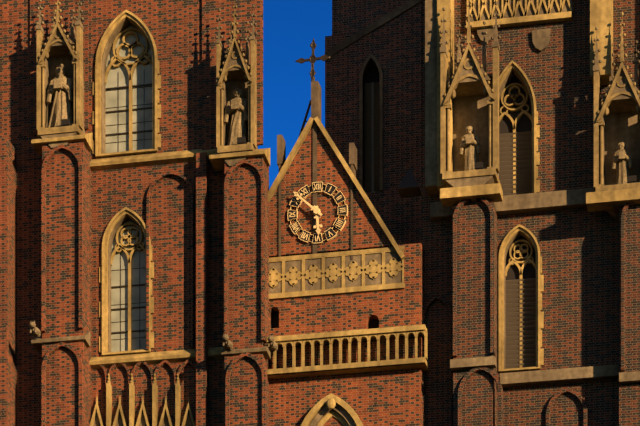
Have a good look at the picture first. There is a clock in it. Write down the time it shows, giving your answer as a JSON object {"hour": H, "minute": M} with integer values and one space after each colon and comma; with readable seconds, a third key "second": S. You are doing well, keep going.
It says {"hour": 5, "minute": 52}
